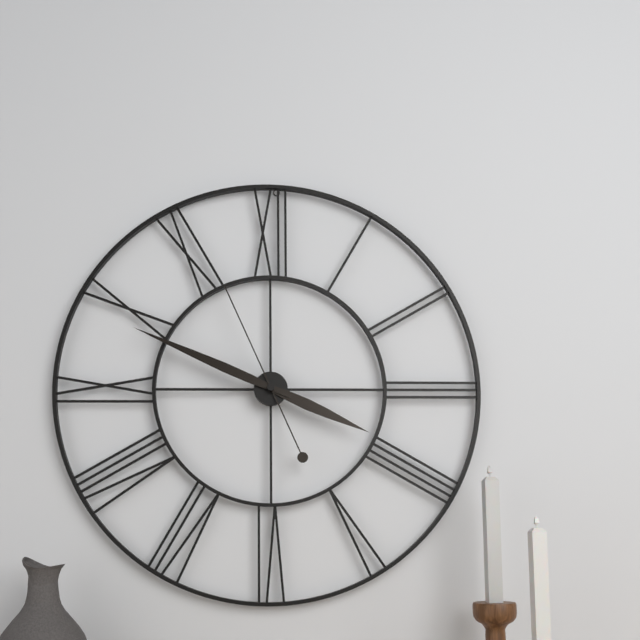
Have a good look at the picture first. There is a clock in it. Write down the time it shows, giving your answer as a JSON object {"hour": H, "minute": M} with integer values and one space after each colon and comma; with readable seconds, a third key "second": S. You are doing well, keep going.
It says {"hour": 3, "minute": 49, "second": 56}
